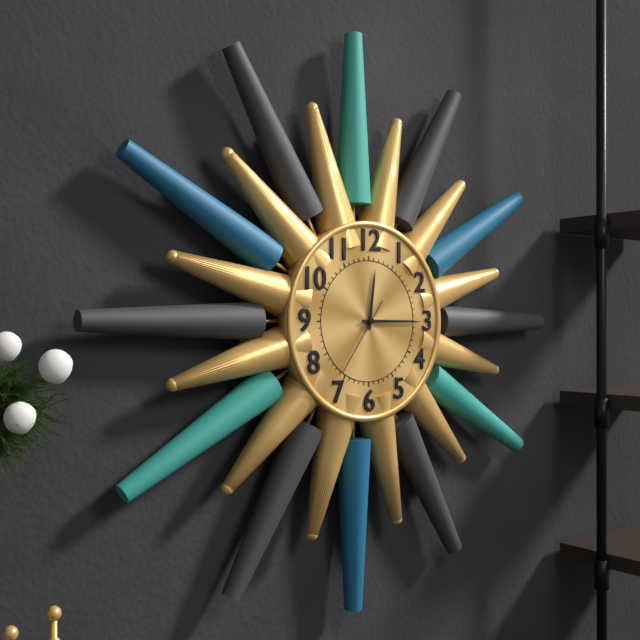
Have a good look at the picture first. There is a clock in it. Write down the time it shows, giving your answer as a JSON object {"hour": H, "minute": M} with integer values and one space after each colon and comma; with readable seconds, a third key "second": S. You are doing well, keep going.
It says {"hour": 12, "minute": 15, "second": 36}
